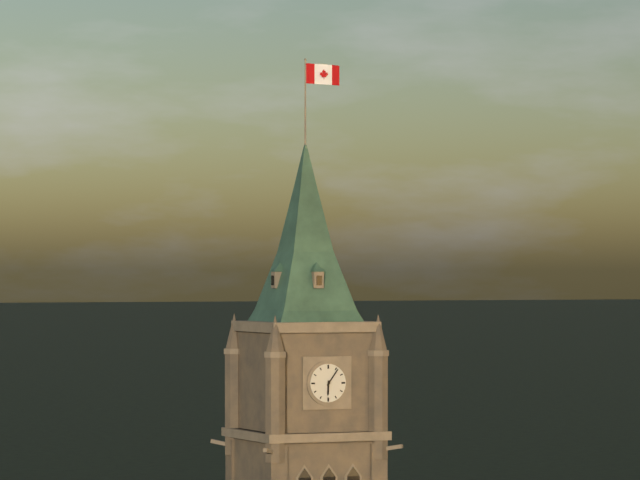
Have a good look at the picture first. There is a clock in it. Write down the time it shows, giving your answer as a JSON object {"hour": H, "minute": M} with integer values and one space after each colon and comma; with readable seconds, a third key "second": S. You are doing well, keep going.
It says {"hour": 6, "minute": 6}
